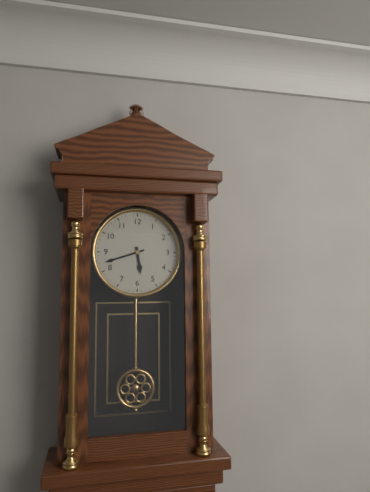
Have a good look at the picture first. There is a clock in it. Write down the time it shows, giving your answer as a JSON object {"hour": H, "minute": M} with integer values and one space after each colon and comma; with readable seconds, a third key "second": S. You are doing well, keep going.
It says {"hour": 5, "minute": 42}
